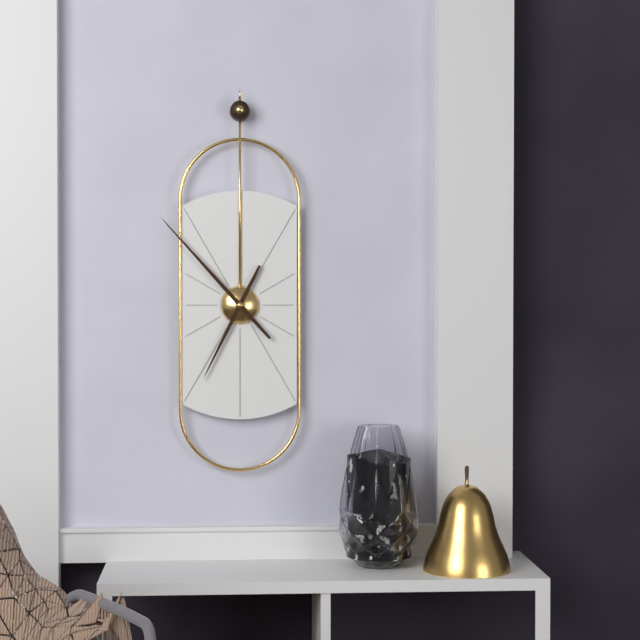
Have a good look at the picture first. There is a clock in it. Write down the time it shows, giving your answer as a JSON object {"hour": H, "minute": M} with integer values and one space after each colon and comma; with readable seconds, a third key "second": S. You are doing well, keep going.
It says {"hour": 6, "minute": 53}
